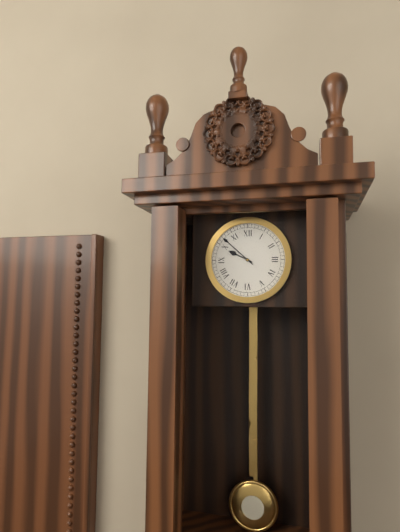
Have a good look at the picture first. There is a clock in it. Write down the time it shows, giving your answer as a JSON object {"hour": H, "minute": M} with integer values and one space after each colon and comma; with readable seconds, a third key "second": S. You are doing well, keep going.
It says {"hour": 9, "minute": 52}
